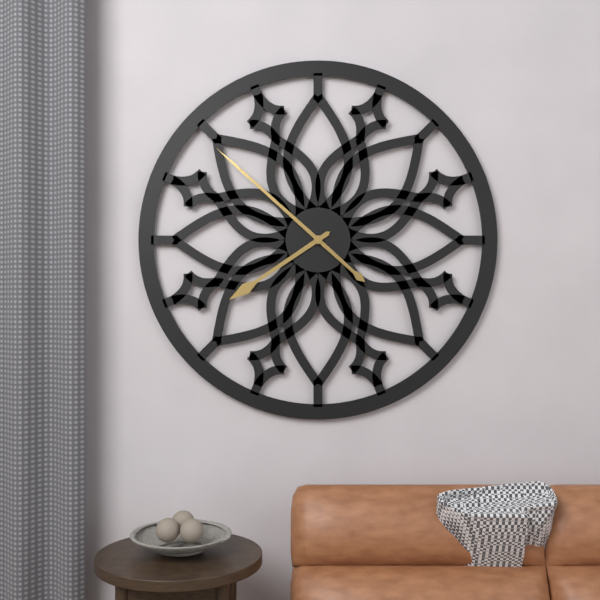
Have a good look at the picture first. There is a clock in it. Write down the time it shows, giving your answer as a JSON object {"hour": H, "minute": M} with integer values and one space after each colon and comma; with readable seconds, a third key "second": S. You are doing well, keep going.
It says {"hour": 7, "minute": 52}
